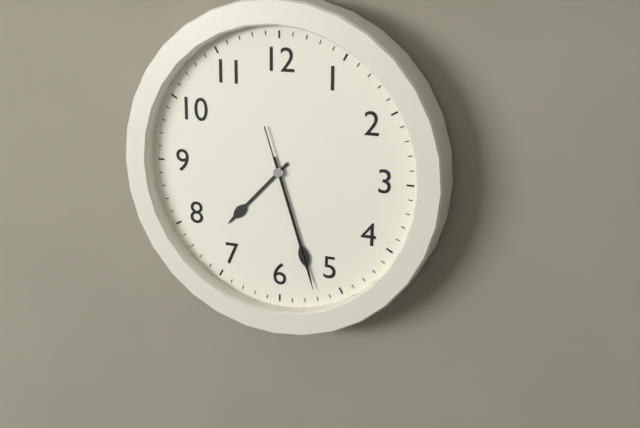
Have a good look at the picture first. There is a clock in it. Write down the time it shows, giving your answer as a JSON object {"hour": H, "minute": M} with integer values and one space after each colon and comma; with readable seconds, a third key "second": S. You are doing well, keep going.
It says {"hour": 7, "minute": 27, "second": 27}
